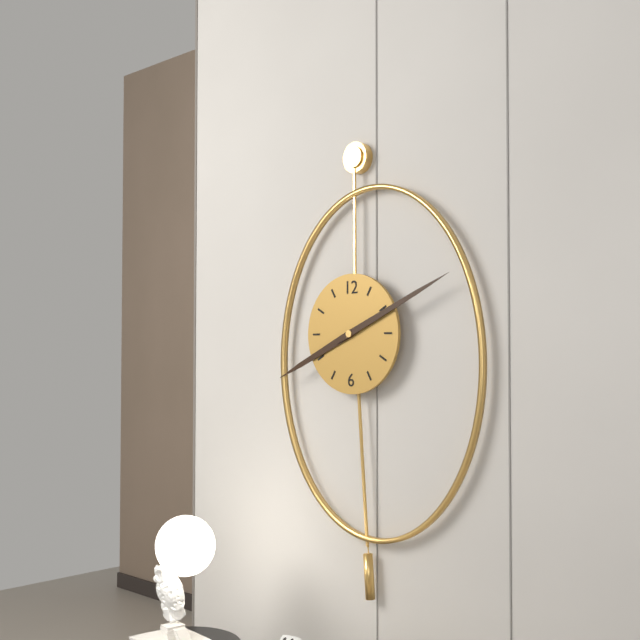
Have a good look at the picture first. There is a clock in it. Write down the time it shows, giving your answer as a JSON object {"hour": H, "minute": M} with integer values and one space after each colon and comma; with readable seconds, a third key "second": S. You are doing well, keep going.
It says {"hour": 8, "minute": 11}
